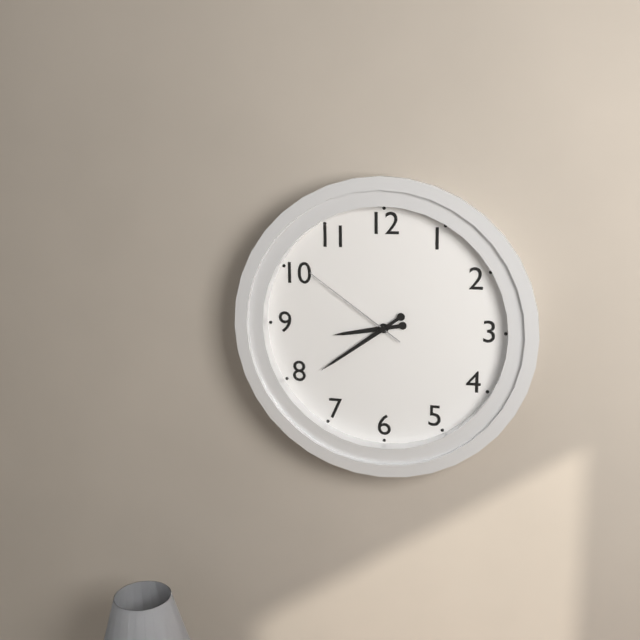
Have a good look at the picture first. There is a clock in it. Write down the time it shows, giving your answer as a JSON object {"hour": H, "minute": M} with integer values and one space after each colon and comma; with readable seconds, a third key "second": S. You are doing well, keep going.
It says {"hour": 8, "minute": 39, "second": 51}
